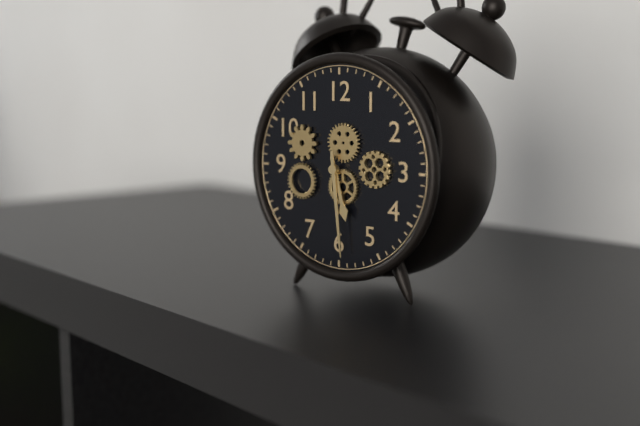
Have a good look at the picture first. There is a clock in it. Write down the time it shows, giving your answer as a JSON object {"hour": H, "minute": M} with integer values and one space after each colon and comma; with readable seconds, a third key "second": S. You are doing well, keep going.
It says {"hour": 5, "minute": 29}
